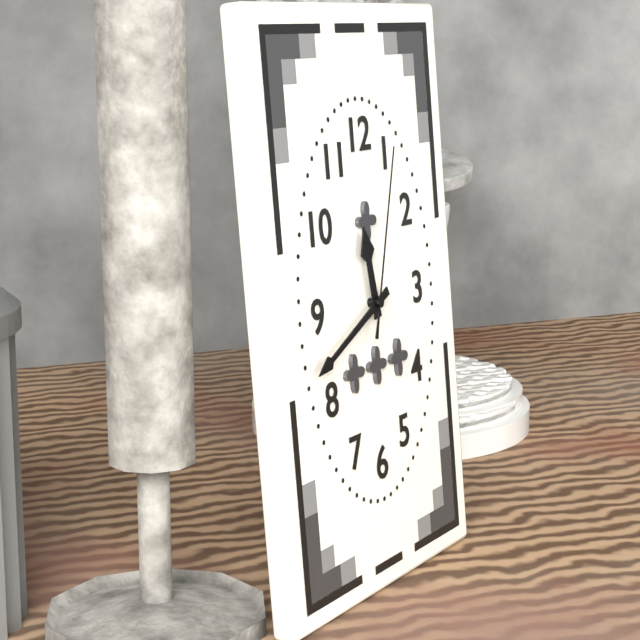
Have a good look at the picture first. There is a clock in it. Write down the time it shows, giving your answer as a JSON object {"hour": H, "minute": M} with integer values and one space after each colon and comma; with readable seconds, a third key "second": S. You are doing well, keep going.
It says {"hour": 11, "minute": 41, "second": 3}
